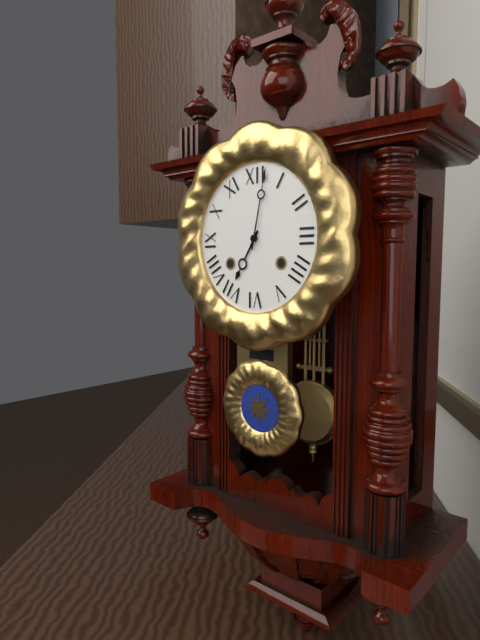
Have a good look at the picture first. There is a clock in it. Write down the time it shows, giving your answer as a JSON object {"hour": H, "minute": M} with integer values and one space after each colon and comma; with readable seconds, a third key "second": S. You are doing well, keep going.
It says {"hour": 7, "minute": 2}
